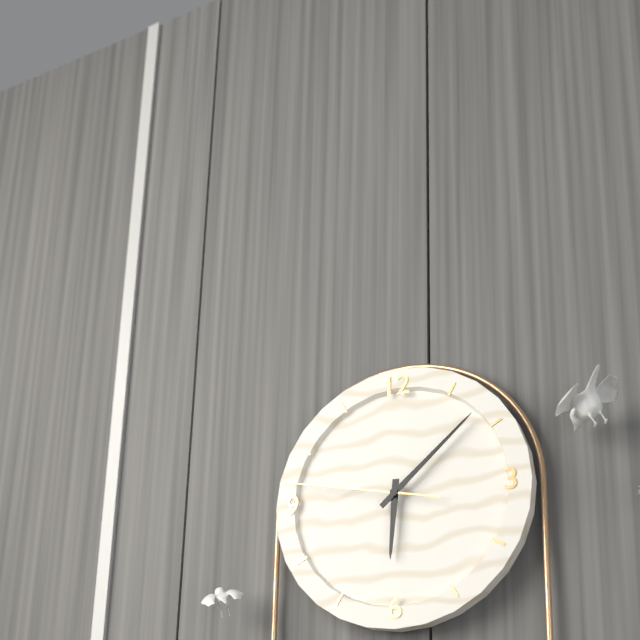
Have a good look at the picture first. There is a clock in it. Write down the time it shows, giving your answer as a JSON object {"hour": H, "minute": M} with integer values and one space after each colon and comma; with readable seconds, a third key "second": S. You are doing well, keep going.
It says {"hour": 6, "minute": 8, "second": 47}
